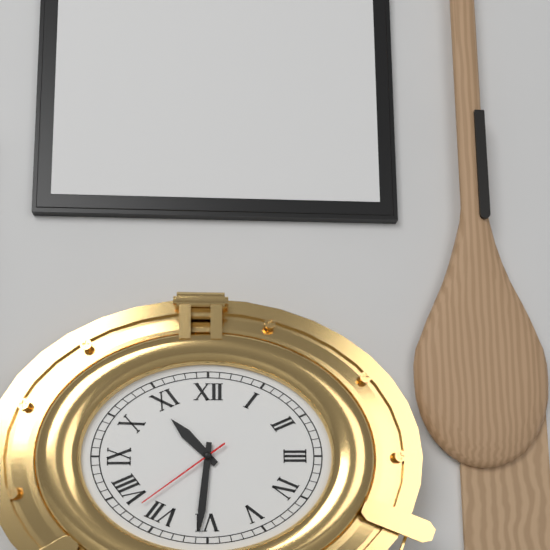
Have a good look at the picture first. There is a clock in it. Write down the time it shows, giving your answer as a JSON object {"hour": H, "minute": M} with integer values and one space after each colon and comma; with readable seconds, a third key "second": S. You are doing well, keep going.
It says {"hour": 10, "minute": 31, "second": 39}
